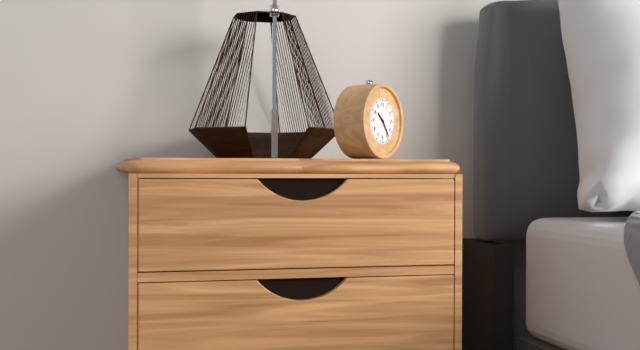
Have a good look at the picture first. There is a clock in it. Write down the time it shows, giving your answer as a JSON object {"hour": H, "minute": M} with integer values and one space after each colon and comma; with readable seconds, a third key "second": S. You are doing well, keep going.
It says {"hour": 10, "minute": 24}
